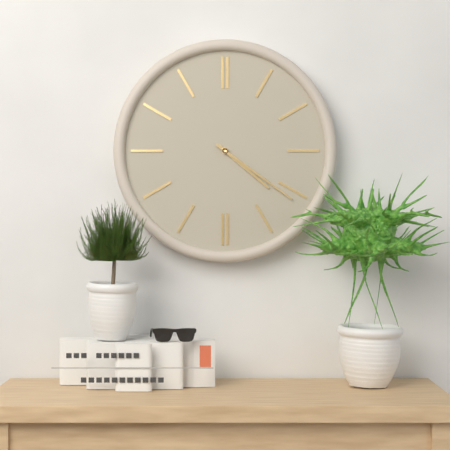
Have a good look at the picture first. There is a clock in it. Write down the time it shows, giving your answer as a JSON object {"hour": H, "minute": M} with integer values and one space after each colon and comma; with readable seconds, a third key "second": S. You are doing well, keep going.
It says {"hour": 4, "minute": 21}
